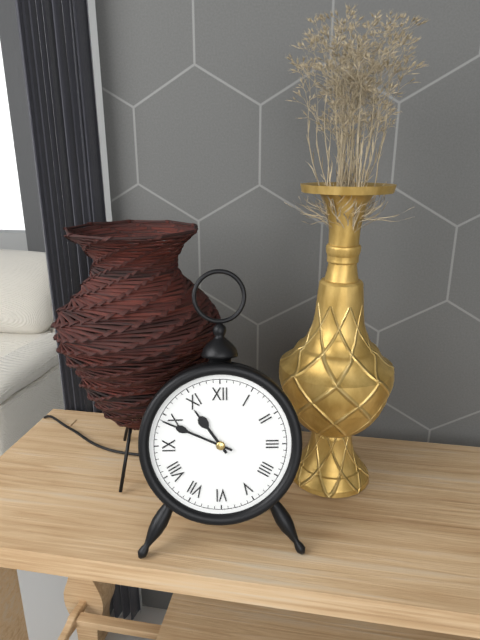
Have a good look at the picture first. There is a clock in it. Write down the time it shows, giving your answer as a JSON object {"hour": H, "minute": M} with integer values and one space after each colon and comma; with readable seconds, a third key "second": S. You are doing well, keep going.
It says {"hour": 10, "minute": 49}
